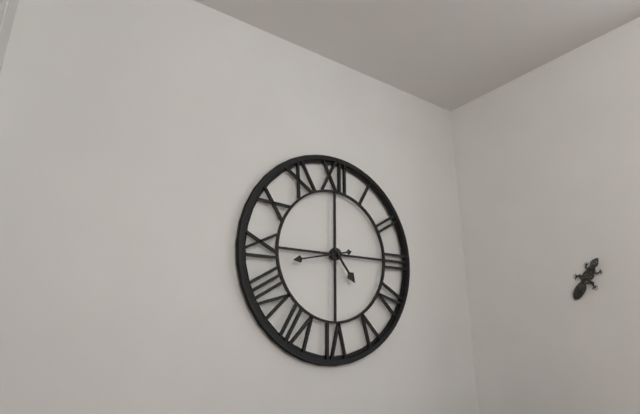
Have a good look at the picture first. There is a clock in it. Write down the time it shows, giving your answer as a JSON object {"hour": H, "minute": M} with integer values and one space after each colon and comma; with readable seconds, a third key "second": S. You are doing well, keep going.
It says {"hour": 4, "minute": 43}
